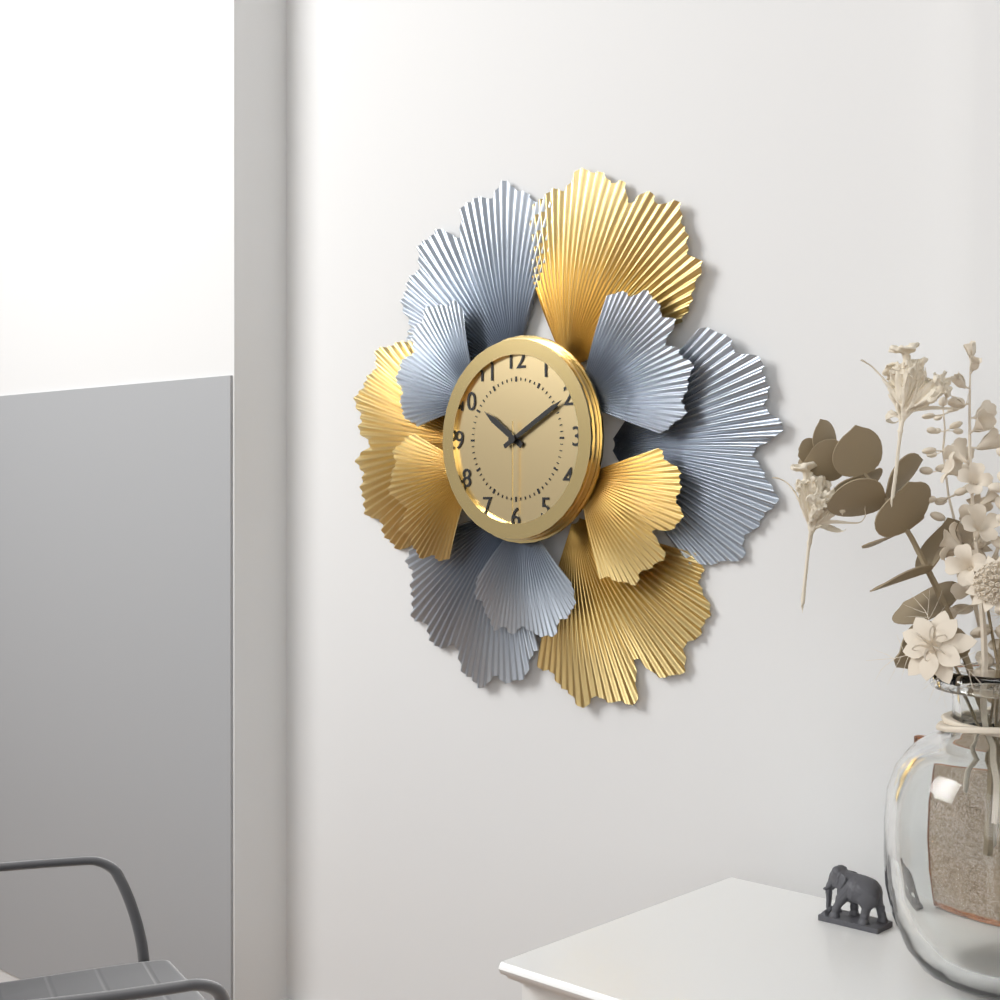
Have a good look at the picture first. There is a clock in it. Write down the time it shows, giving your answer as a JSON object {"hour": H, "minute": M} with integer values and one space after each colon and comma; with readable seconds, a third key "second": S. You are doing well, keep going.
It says {"hour": 10, "minute": 10, "second": 30}
